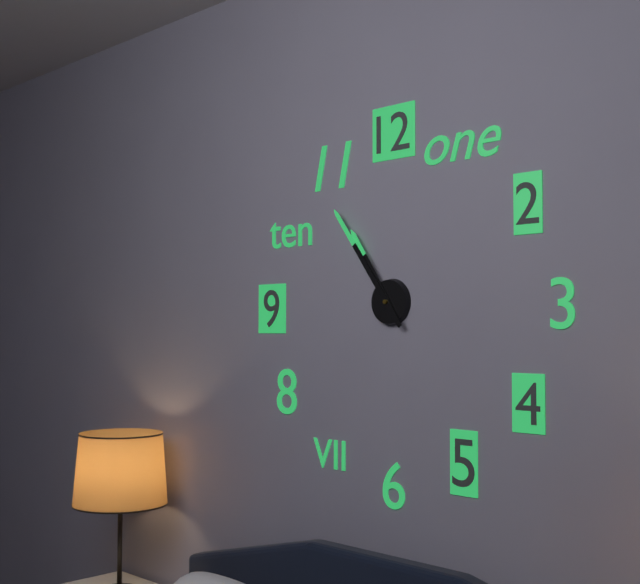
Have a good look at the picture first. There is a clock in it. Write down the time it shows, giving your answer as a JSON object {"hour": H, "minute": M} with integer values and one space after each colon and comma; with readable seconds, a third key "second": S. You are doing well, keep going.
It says {"hour": 10, "minute": 54}
